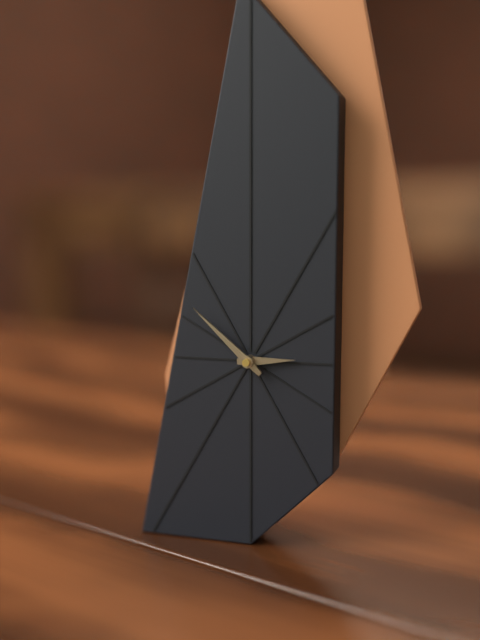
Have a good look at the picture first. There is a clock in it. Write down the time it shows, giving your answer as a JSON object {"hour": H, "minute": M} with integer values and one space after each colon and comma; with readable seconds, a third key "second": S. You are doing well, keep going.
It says {"hour": 2, "minute": 52}
